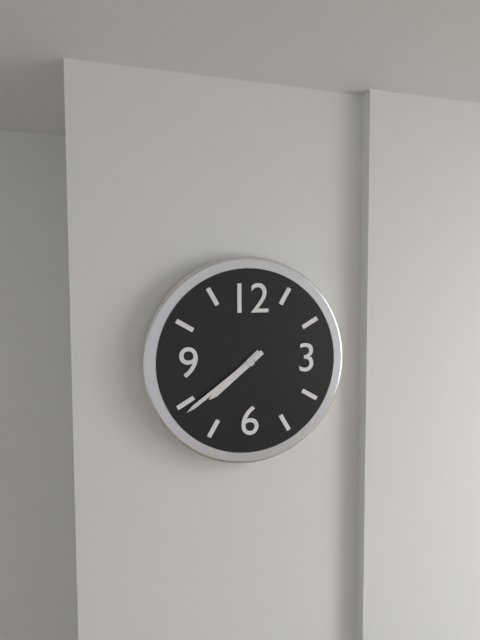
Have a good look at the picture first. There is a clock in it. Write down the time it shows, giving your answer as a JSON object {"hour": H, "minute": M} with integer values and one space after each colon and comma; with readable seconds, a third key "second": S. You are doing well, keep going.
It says {"hour": 7, "minute": 39}
